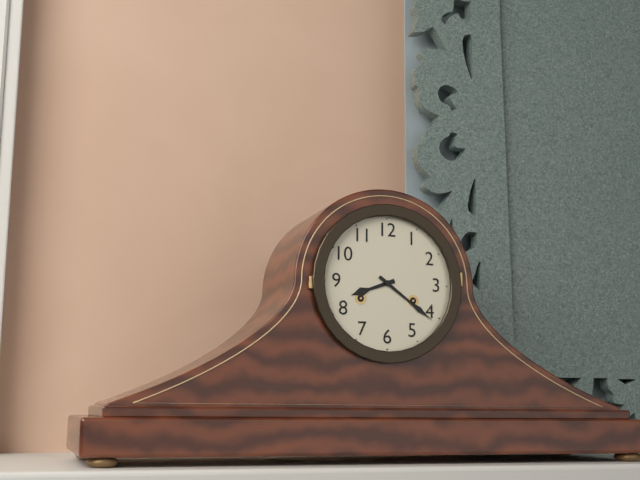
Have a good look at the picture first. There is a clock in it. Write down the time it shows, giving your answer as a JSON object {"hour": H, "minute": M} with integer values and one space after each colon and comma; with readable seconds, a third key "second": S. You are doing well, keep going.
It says {"hour": 8, "minute": 21}
